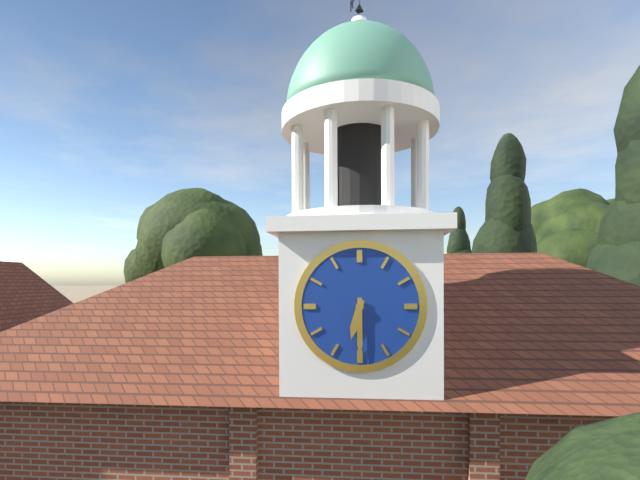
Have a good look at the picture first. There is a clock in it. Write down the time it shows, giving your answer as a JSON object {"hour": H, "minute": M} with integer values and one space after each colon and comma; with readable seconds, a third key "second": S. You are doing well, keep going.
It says {"hour": 6, "minute": 30}
